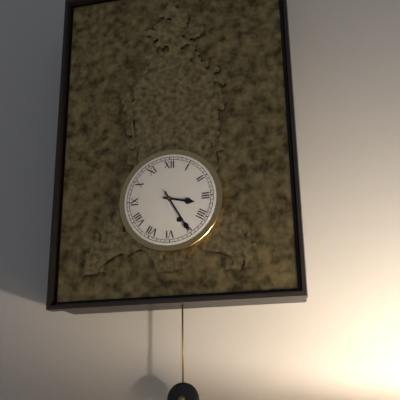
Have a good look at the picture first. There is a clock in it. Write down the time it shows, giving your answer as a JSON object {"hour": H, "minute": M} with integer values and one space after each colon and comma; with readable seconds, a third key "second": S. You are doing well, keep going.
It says {"hour": 3, "minute": 25}
